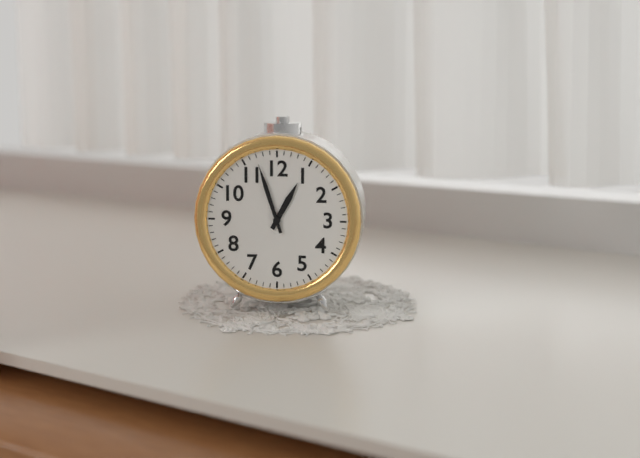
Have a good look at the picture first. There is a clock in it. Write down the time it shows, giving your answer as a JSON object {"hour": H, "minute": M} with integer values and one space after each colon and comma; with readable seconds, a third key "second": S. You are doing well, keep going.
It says {"hour": 12, "minute": 57}
